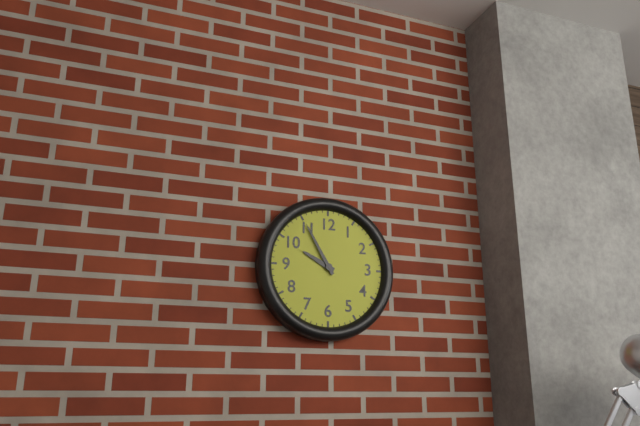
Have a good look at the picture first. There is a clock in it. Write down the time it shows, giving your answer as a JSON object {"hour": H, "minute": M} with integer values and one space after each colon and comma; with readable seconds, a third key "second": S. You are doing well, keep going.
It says {"hour": 9, "minute": 55}
